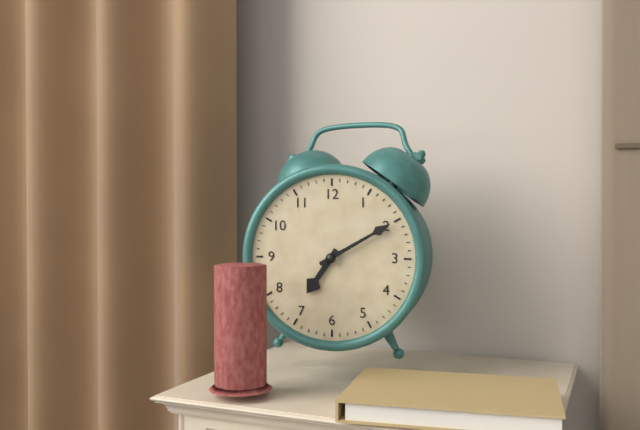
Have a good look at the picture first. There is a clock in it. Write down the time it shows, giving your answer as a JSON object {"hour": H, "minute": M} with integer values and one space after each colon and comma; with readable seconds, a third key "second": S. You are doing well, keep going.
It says {"hour": 7, "minute": 10}
